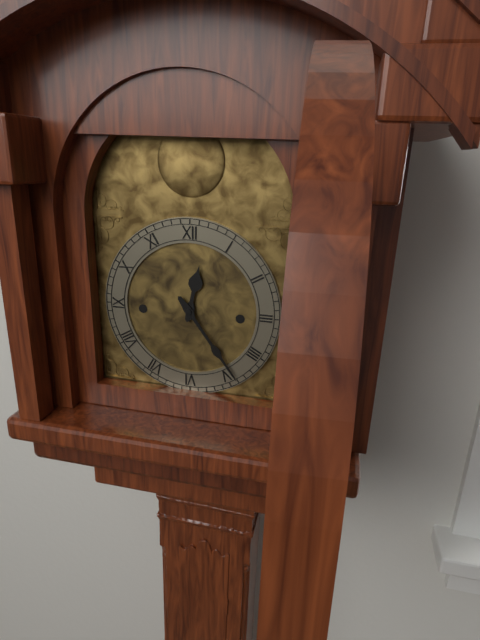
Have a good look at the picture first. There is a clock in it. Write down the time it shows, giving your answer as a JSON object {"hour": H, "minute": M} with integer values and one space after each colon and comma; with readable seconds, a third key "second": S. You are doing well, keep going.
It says {"hour": 12, "minute": 24}
